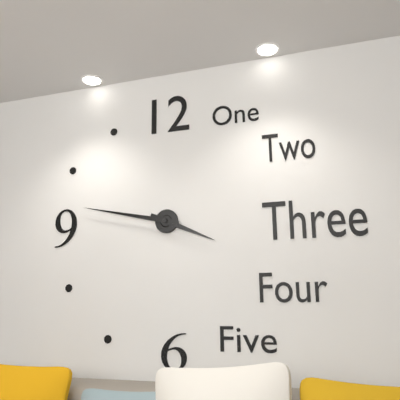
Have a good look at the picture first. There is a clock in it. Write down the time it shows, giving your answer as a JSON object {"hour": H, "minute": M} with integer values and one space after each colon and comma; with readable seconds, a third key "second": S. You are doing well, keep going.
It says {"hour": 3, "minute": 47}
